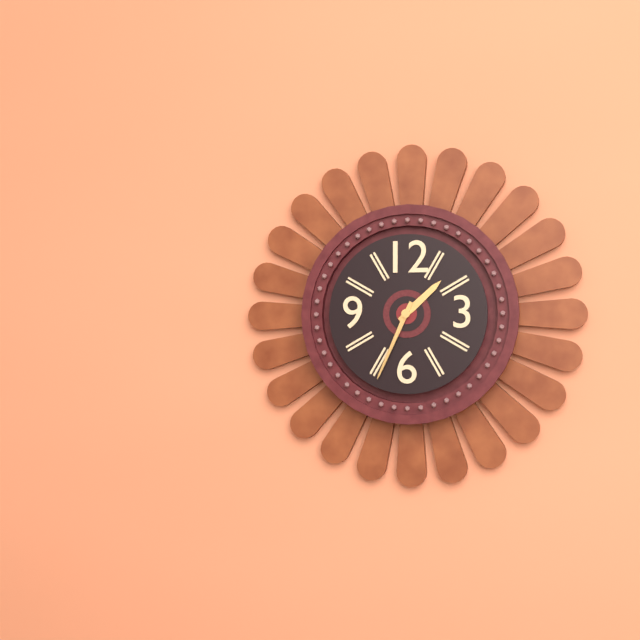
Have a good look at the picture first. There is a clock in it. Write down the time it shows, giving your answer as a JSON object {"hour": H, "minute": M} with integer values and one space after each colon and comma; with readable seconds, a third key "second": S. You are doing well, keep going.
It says {"hour": 1, "minute": 34}
